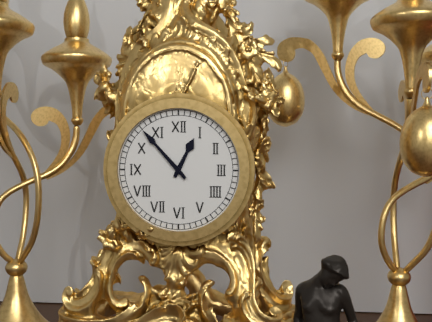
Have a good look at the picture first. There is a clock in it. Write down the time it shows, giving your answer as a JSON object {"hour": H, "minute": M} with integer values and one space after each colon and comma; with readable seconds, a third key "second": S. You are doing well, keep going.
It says {"hour": 12, "minute": 53}
